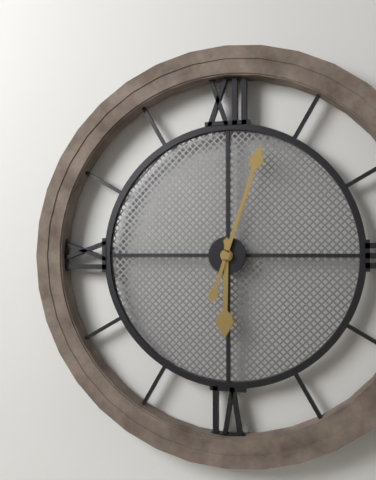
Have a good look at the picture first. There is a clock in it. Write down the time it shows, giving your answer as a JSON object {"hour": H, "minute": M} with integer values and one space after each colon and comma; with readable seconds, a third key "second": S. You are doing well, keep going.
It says {"hour": 6, "minute": 3}
